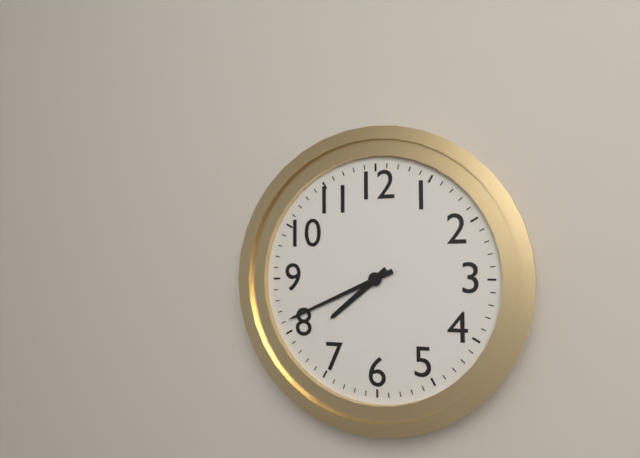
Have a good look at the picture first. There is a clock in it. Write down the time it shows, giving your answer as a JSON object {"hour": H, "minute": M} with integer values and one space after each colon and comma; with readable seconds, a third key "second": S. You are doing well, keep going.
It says {"hour": 7, "minute": 41}
